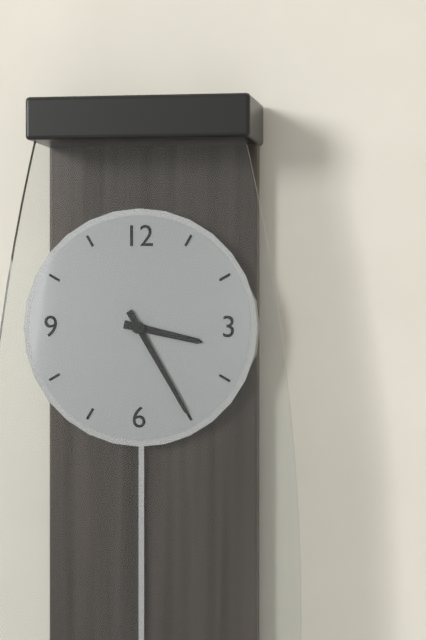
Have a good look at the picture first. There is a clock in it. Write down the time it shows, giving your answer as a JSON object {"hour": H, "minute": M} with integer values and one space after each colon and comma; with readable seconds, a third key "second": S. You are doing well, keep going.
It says {"hour": 3, "minute": 25}
